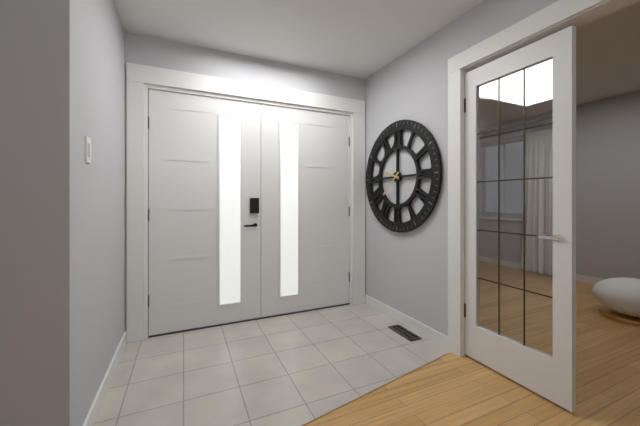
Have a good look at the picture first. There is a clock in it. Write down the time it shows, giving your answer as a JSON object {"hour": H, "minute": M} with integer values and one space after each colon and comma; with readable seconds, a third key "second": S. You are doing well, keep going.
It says {"hour": 9, "minute": 38}
